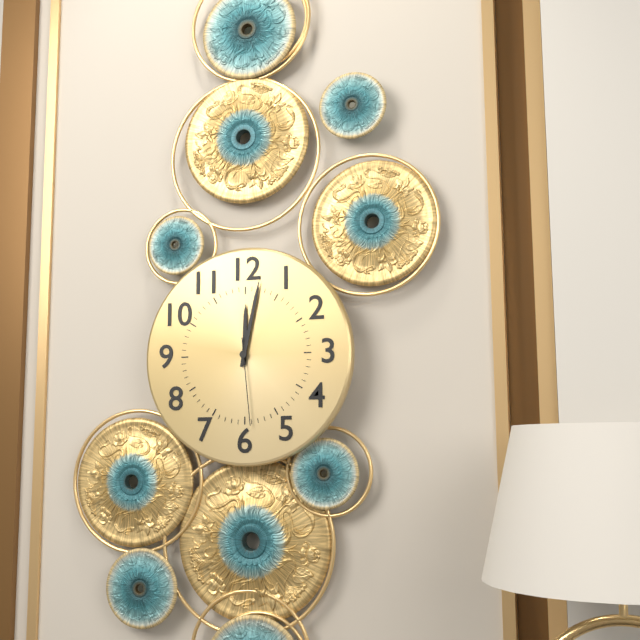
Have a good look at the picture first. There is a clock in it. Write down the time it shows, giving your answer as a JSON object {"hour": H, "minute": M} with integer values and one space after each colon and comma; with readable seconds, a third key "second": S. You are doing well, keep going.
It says {"hour": 12, "minute": 2, "second": 29}
